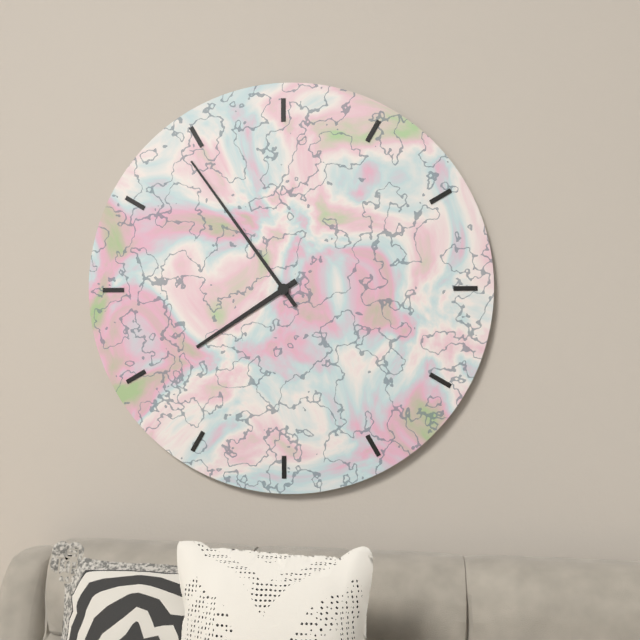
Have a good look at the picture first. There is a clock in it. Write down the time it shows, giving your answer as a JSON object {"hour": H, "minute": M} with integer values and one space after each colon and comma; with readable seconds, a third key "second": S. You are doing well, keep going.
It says {"hour": 7, "minute": 54}
